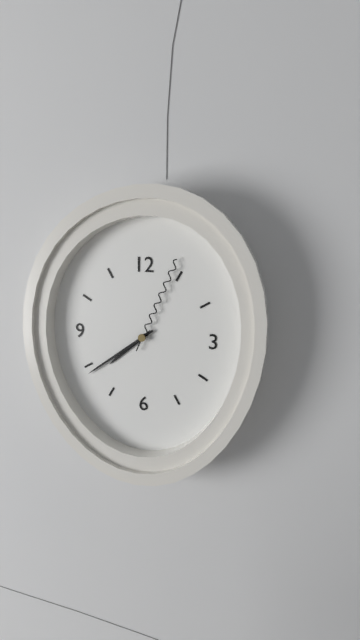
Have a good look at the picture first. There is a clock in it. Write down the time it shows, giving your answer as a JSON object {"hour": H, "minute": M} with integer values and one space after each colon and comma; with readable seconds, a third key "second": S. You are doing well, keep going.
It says {"hour": 7, "minute": 39, "second": 4}
